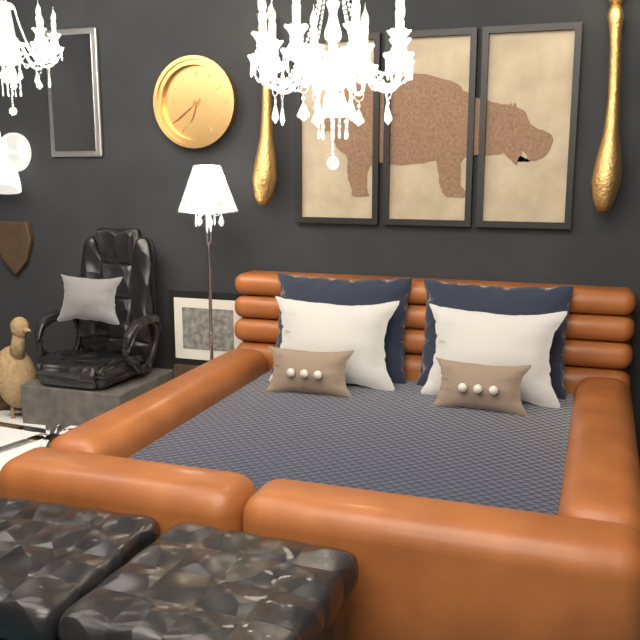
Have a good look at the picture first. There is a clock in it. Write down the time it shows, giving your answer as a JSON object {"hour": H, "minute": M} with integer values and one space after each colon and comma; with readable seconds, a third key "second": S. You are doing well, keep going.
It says {"hour": 6, "minute": 39}
